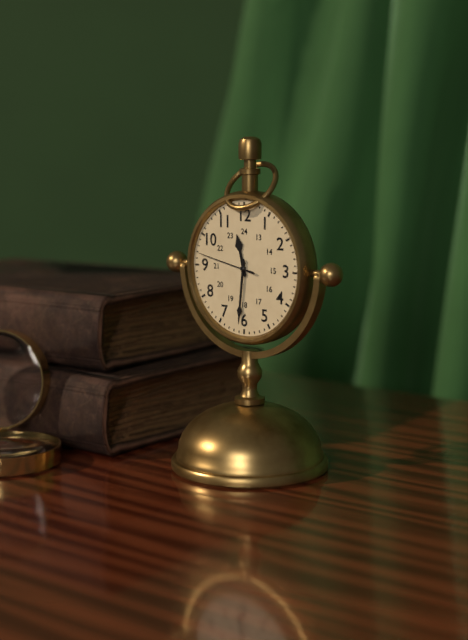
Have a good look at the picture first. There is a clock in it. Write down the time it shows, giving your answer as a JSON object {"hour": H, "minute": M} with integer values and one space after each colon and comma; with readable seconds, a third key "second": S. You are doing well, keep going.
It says {"hour": 11, "minute": 31, "second": 47}
